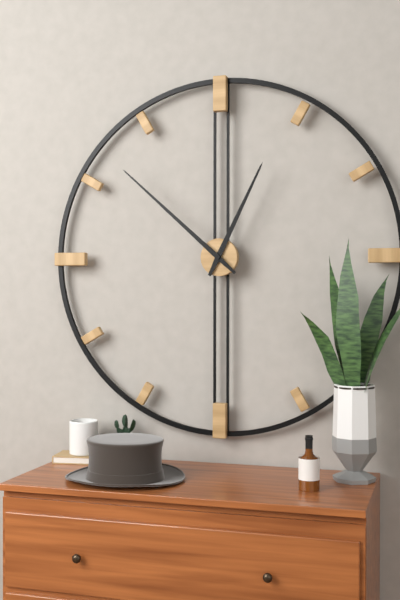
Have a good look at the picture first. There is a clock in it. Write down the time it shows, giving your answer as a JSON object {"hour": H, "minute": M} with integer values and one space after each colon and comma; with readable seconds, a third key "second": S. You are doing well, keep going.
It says {"hour": 12, "minute": 52}
